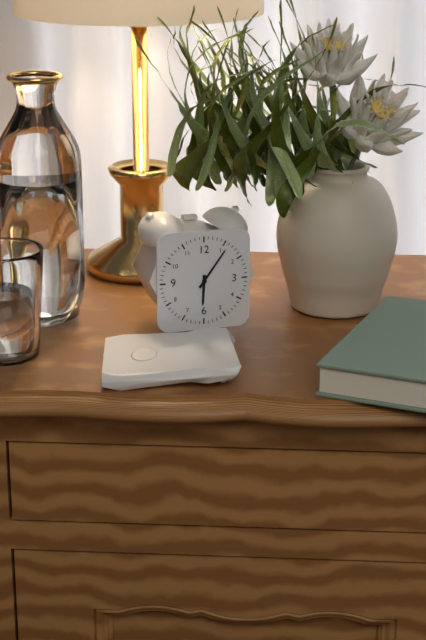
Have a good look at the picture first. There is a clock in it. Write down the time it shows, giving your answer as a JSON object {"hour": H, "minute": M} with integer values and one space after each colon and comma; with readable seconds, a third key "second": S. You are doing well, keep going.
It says {"hour": 6, "minute": 6}
